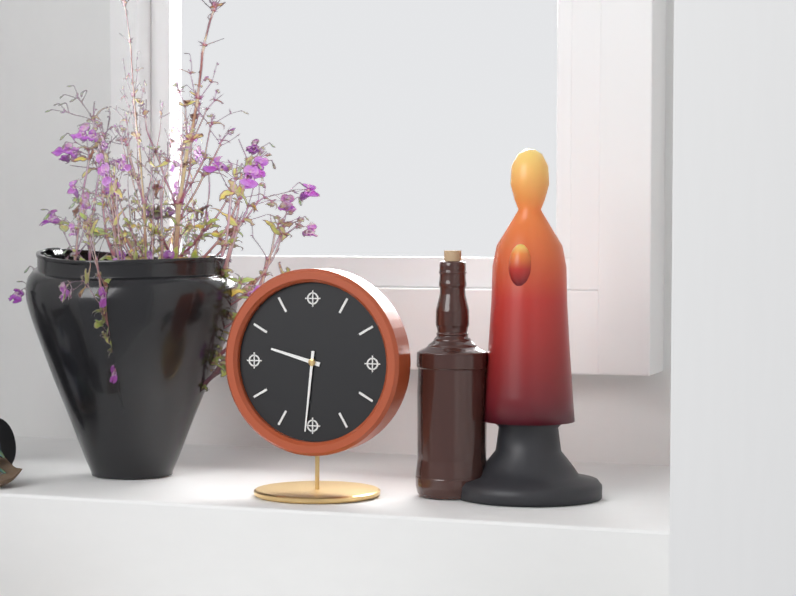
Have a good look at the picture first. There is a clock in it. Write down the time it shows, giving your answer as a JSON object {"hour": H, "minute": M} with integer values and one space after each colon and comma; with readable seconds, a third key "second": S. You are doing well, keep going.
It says {"hour": 9, "minute": 31}
